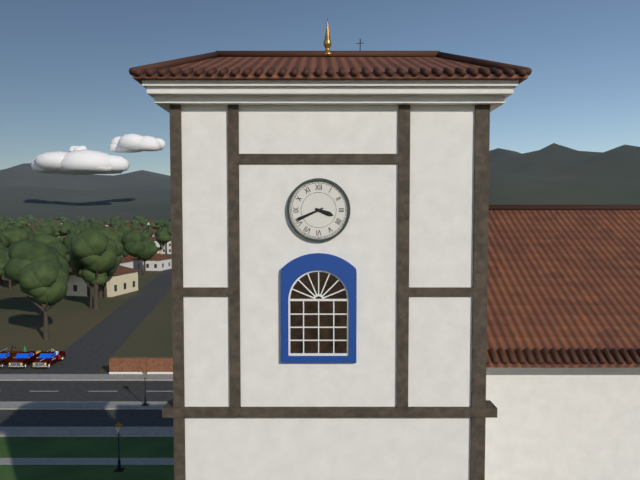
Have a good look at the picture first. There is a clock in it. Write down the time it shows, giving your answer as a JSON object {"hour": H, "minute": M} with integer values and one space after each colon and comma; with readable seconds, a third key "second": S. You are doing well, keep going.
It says {"hour": 3, "minute": 41}
